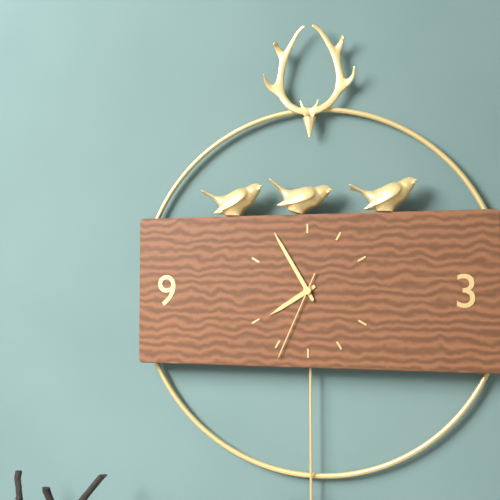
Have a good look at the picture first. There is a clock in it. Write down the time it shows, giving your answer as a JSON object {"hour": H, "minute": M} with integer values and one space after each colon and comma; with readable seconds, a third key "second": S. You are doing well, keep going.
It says {"hour": 7, "minute": 55, "second": 34}
